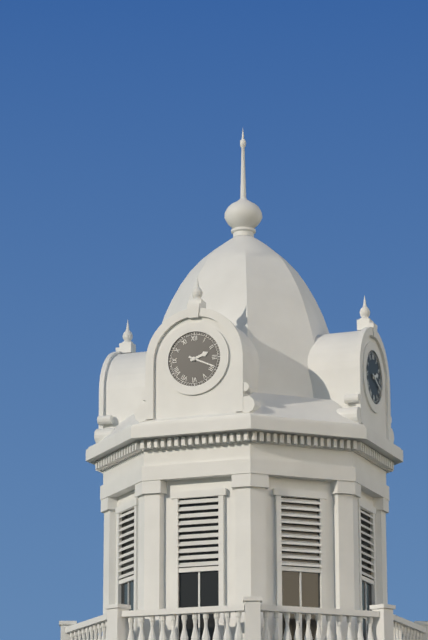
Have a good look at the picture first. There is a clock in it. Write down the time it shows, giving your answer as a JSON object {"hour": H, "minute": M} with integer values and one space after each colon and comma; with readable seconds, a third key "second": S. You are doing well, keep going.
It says {"hour": 2, "minute": 19}
